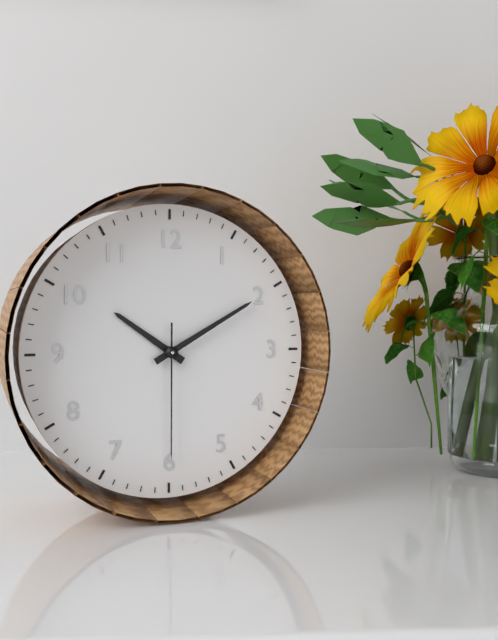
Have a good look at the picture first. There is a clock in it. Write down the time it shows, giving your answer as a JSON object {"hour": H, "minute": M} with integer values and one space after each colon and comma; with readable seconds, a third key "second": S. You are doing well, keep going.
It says {"hour": 10, "minute": 10, "second": 30}
